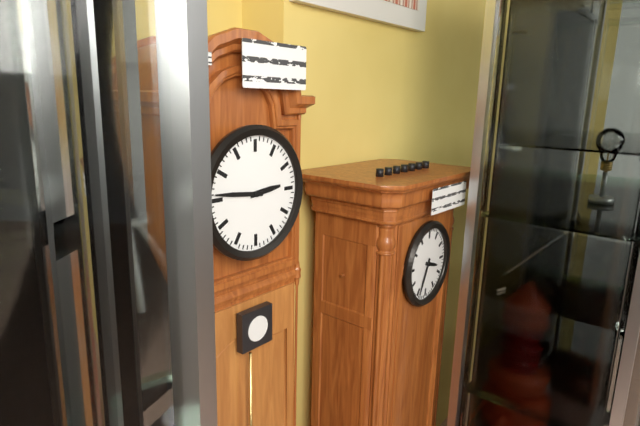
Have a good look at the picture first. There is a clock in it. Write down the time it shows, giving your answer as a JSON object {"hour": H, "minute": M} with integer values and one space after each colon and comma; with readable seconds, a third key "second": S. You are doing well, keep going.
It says {"hour": 2, "minute": 46}
